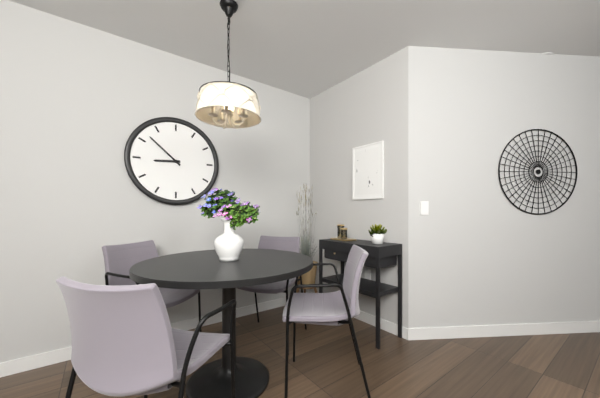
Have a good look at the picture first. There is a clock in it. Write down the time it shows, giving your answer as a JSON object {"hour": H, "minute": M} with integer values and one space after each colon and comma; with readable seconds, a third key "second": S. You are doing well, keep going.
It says {"hour": 8, "minute": 52}
